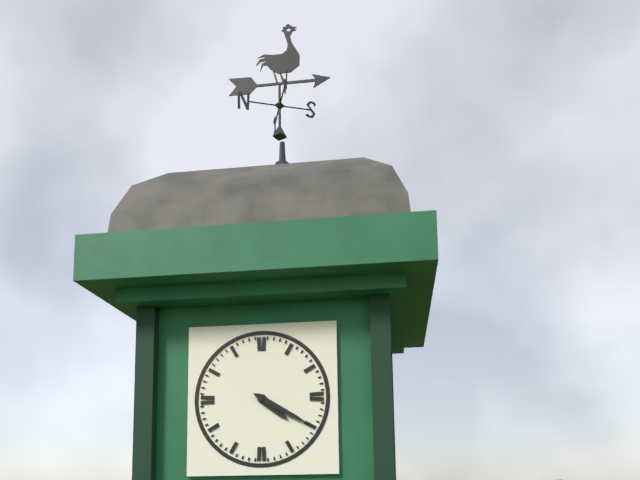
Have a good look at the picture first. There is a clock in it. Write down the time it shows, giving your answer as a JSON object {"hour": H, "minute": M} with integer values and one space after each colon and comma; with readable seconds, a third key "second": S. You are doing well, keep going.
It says {"hour": 4, "minute": 20}
